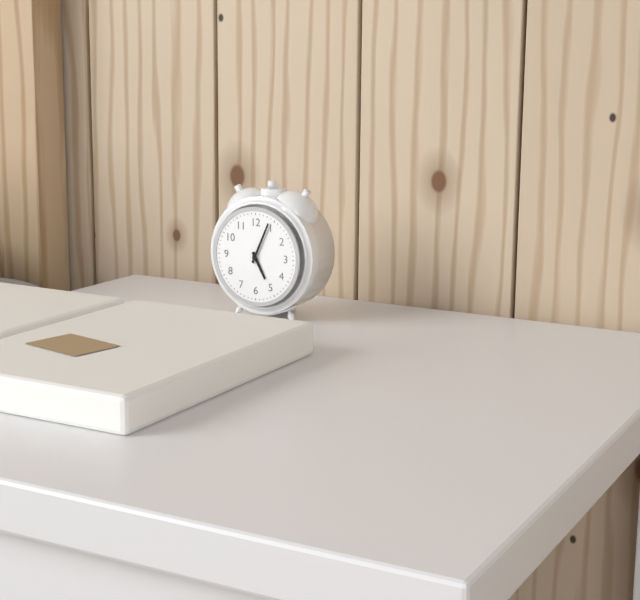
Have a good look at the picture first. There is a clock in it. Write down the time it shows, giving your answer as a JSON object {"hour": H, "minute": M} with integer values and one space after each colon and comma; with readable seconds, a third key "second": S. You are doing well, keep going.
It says {"hour": 5, "minute": 4}
